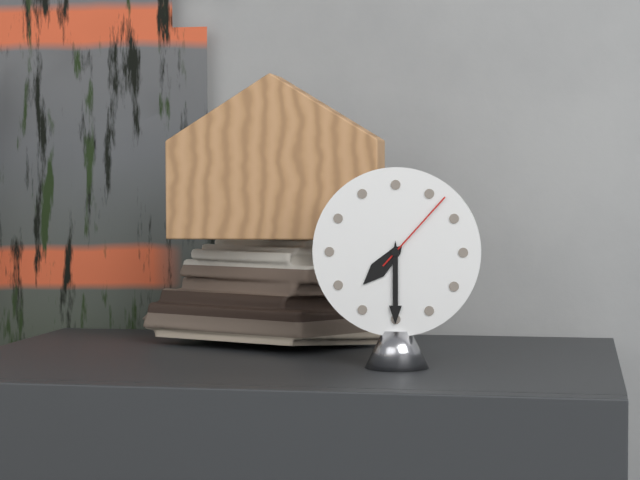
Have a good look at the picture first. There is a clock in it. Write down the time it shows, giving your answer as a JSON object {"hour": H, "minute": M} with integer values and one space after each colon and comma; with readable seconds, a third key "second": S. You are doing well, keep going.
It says {"hour": 7, "minute": 30, "second": 7}
